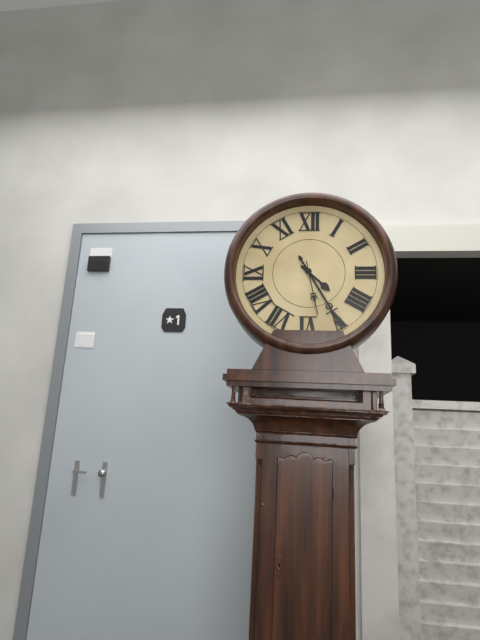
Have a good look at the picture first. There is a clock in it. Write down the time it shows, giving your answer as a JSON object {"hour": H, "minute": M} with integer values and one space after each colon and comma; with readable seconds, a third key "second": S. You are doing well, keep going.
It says {"hour": 4, "minute": 25}
